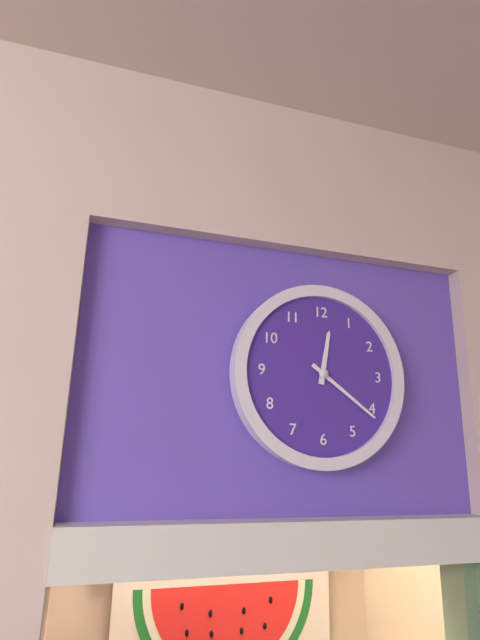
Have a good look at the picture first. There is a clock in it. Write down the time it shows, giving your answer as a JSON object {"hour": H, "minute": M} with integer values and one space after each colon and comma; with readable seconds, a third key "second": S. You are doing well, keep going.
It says {"hour": 12, "minute": 21}
